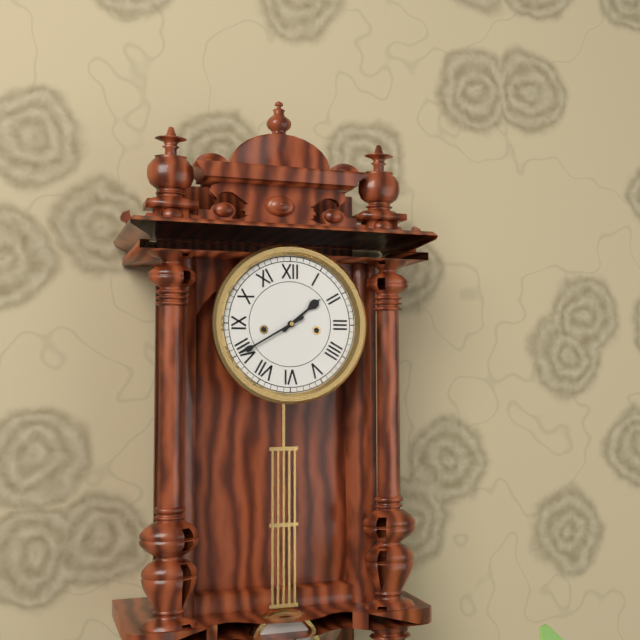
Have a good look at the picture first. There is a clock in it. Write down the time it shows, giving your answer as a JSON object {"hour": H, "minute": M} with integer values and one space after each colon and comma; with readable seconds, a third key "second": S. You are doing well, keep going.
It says {"hour": 1, "minute": 40}
